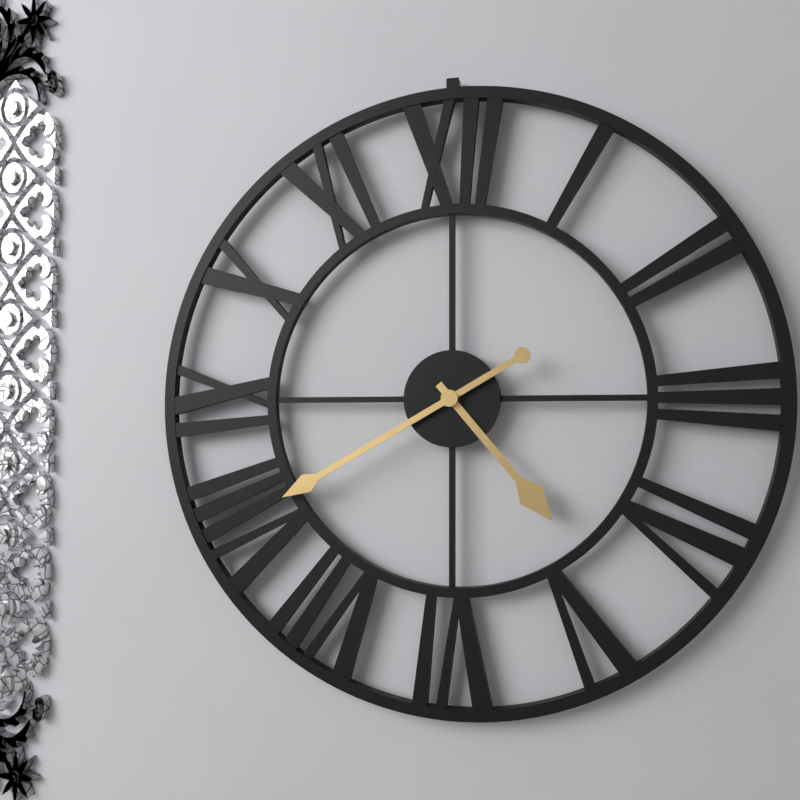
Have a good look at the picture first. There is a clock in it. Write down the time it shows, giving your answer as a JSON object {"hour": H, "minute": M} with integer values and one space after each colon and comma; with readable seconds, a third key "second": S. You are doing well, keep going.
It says {"hour": 4, "minute": 40}
